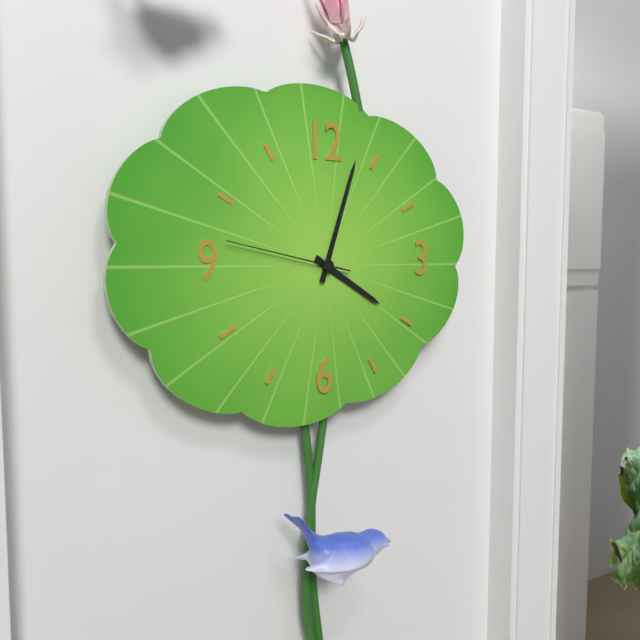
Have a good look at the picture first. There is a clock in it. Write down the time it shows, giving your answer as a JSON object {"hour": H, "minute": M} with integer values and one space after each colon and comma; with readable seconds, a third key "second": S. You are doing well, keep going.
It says {"hour": 4, "minute": 3, "second": 47}
